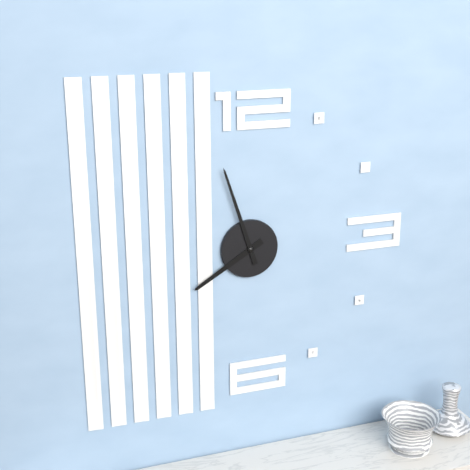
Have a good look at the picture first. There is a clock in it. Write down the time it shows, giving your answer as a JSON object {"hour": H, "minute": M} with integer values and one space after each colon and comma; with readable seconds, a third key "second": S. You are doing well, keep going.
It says {"hour": 7, "minute": 57}
